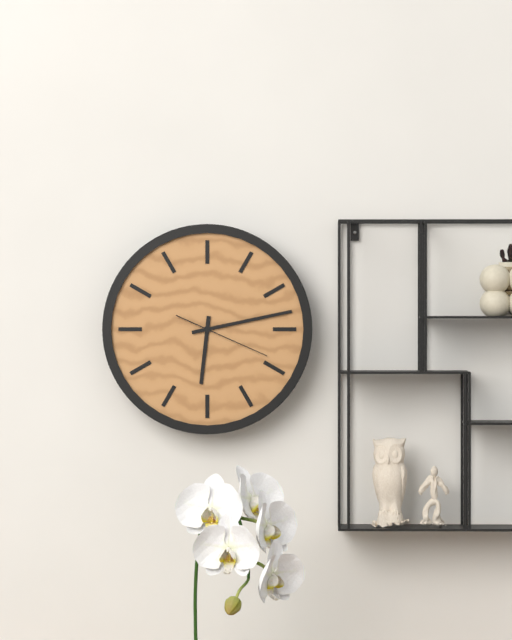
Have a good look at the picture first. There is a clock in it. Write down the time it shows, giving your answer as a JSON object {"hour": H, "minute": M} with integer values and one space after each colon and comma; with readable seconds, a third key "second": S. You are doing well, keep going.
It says {"hour": 6, "minute": 13, "second": 19}
